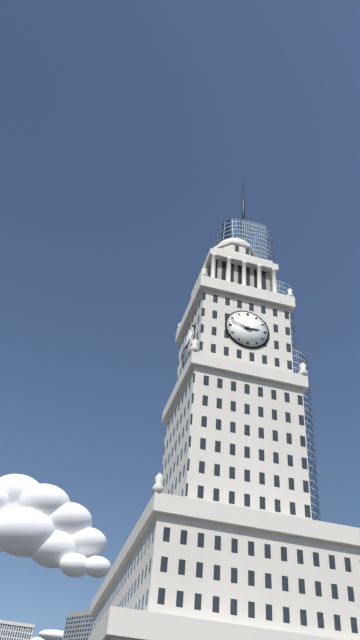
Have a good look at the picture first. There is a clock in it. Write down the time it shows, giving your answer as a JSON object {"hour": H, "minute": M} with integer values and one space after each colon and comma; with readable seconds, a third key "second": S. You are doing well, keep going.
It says {"hour": 2, "minute": 48}
